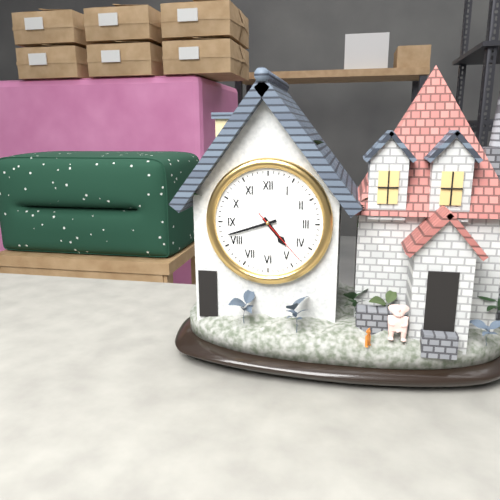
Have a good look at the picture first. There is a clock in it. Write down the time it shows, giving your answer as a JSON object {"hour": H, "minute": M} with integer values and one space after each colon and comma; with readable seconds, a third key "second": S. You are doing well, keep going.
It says {"hour": 4, "minute": 42, "second": 23}
